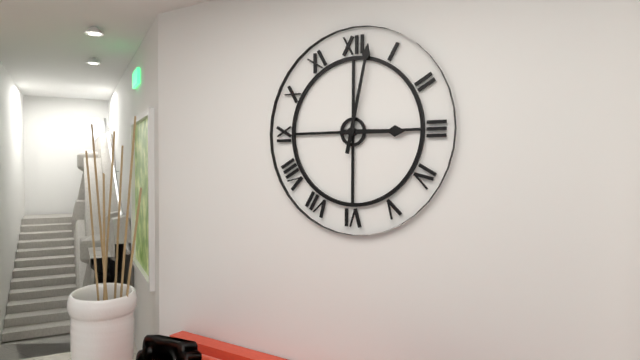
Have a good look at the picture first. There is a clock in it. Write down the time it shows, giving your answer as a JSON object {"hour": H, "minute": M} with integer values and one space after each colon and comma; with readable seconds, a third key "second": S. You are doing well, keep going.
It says {"hour": 3, "minute": 2}
